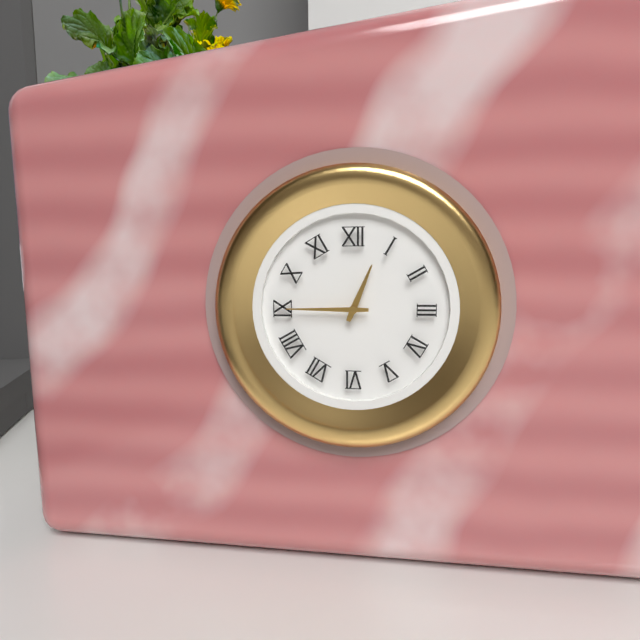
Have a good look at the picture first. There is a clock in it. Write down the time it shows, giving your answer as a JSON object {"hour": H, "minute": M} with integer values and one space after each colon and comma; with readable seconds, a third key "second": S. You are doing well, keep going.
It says {"hour": 12, "minute": 45}
